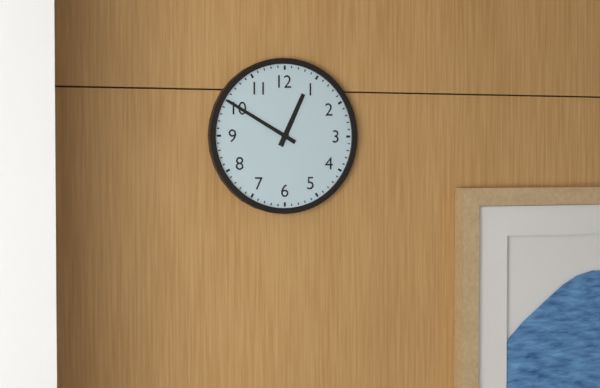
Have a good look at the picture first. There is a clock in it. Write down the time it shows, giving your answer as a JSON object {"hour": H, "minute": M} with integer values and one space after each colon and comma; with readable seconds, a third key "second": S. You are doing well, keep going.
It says {"hour": 12, "minute": 50}
